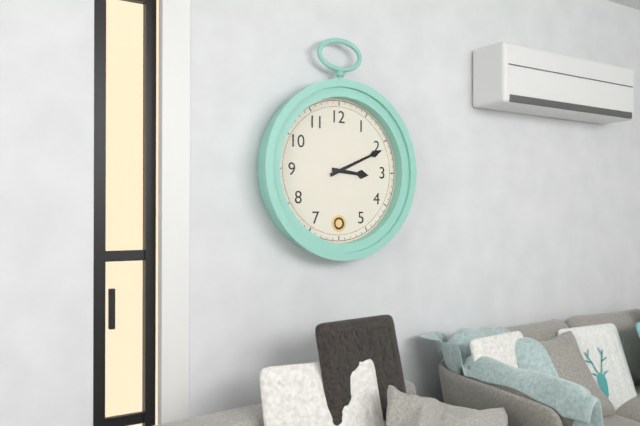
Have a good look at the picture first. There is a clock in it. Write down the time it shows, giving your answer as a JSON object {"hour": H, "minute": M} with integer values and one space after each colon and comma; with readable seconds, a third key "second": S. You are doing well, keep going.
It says {"hour": 3, "minute": 11}
